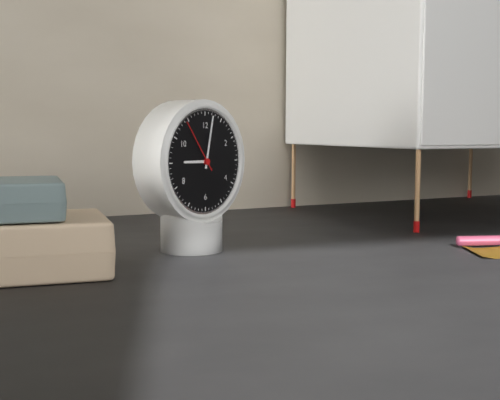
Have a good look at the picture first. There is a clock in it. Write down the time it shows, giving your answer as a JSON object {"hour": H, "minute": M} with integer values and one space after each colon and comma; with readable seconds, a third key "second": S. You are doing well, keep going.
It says {"hour": 9, "minute": 2, "second": 54}
